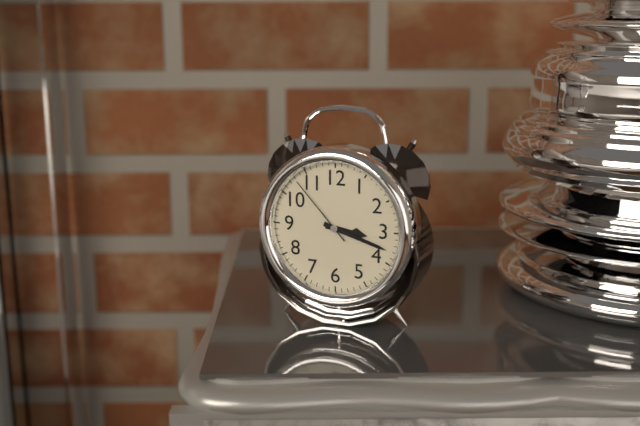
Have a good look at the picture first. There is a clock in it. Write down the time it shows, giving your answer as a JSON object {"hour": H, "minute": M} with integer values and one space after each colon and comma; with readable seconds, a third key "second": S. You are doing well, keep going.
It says {"hour": 3, "minute": 18, "second": 53}
